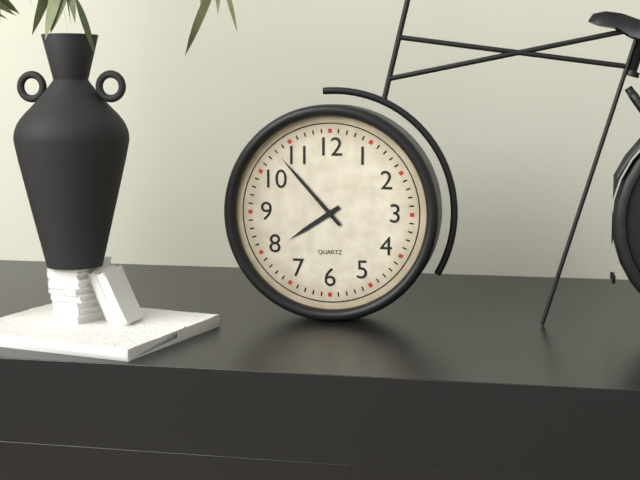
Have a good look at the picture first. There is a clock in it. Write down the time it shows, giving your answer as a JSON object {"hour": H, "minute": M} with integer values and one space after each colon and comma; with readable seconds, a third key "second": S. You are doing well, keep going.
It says {"hour": 7, "minute": 53}
